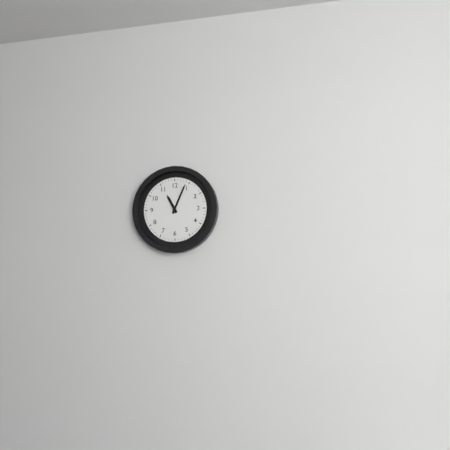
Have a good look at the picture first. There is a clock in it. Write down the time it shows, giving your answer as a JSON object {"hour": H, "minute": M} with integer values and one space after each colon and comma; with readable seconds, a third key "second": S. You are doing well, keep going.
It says {"hour": 11, "minute": 4}
